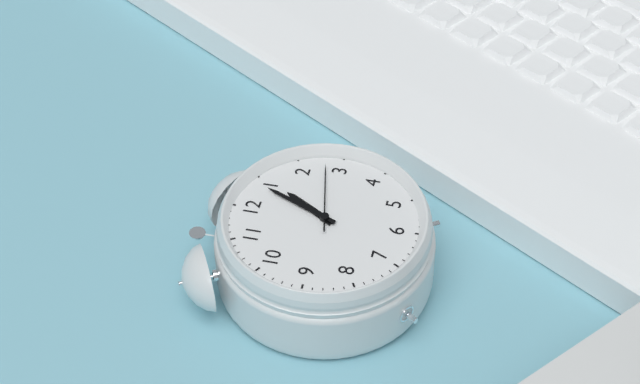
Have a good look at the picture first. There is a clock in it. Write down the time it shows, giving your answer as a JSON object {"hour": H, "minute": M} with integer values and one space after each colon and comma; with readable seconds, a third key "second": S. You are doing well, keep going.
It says {"hour": 1, "minute": 4, "second": 13}
